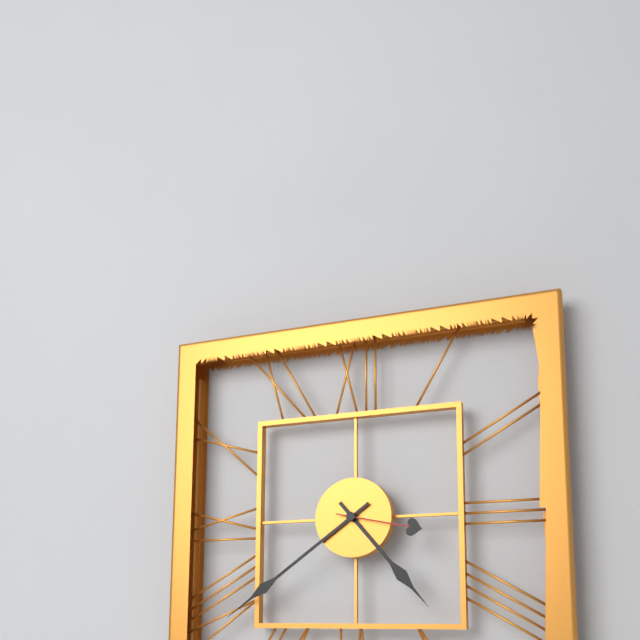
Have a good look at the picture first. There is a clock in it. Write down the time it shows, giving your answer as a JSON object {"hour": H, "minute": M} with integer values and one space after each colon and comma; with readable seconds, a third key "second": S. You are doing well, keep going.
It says {"hour": 4, "minute": 39, "second": 17}
